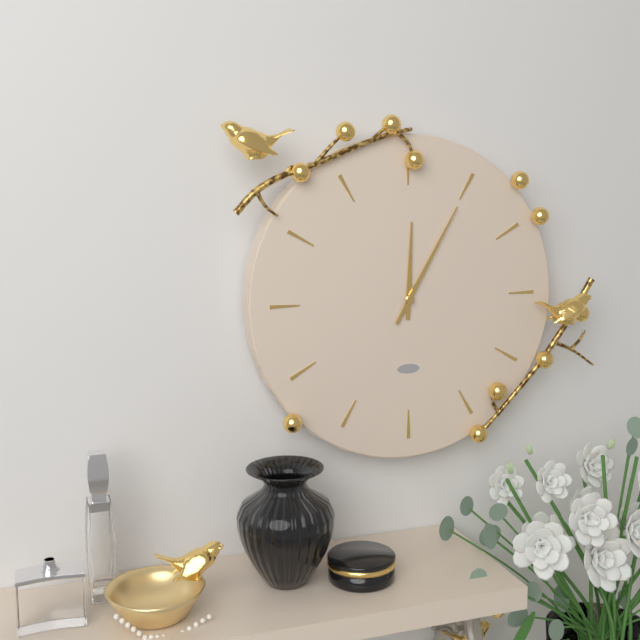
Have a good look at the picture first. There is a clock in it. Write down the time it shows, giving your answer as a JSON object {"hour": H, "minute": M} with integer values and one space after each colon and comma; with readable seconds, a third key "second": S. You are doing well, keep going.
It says {"hour": 12, "minute": 5}
